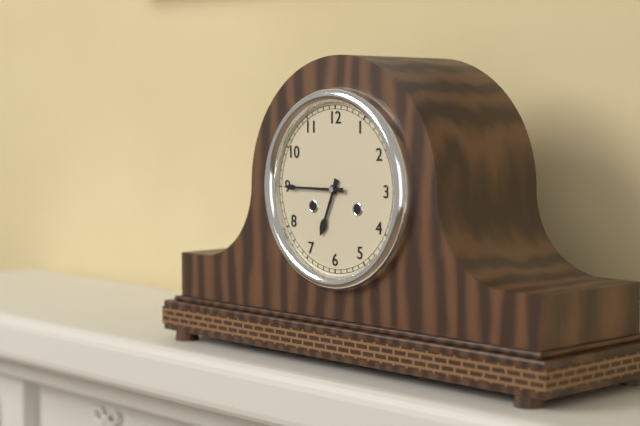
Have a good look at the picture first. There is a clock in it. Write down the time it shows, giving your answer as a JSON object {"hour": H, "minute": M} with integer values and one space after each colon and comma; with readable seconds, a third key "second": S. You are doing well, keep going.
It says {"hour": 6, "minute": 45}
